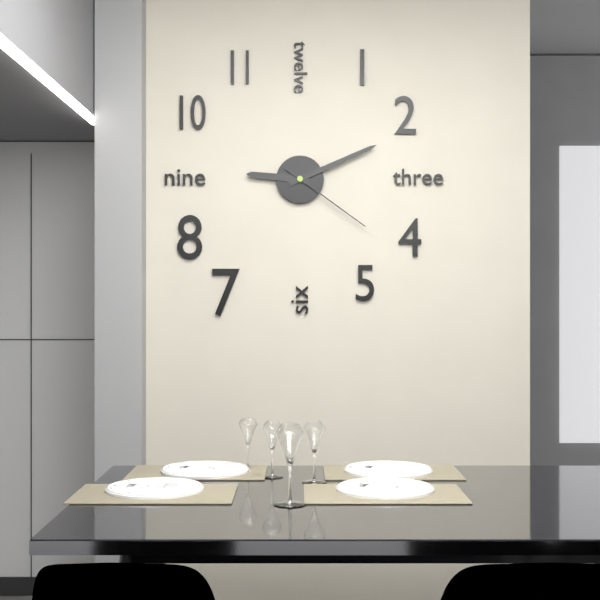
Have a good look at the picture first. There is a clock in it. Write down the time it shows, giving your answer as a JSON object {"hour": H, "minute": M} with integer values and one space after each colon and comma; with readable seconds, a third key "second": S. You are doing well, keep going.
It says {"hour": 9, "minute": 11, "second": 21}
